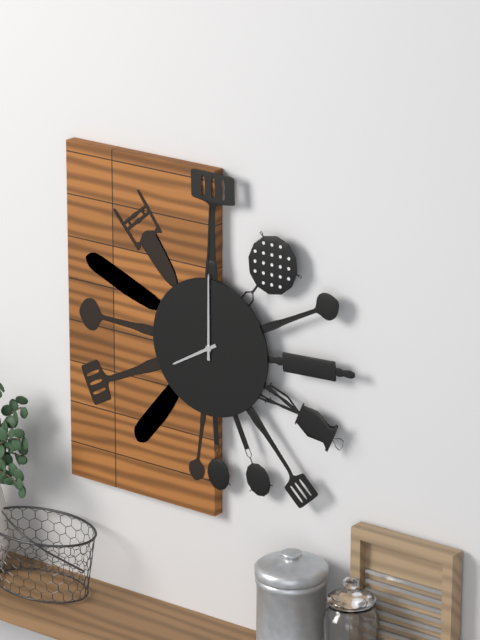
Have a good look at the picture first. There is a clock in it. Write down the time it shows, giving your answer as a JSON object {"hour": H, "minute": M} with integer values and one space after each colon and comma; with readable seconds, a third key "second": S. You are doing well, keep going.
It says {"hour": 8, "minute": 0}
